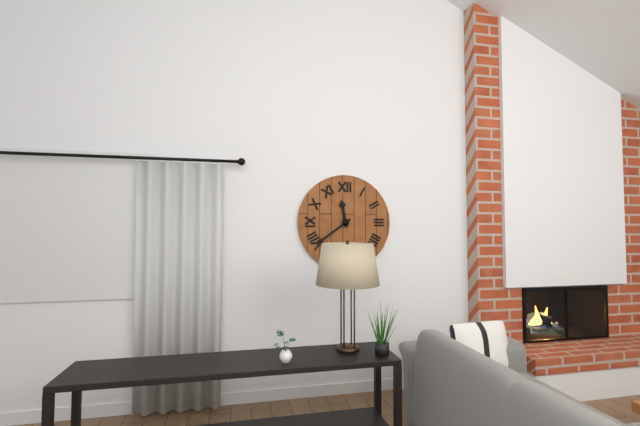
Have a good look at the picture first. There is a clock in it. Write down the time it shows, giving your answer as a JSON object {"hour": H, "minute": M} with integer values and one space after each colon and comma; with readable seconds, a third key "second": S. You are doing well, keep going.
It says {"hour": 11, "minute": 39}
